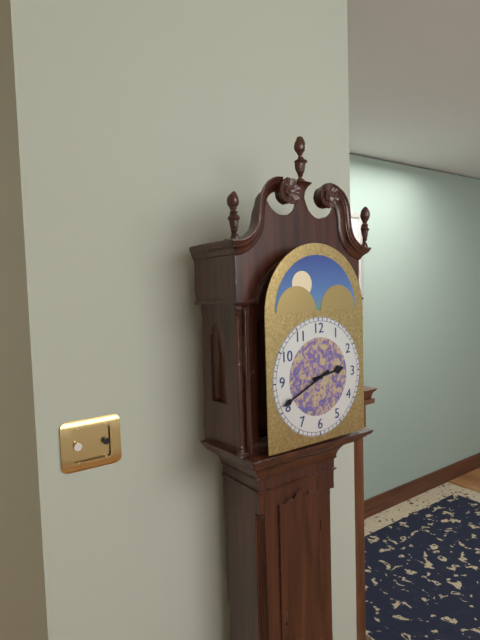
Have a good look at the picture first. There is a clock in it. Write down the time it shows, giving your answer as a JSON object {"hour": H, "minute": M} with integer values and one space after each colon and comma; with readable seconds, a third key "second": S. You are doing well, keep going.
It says {"hour": 2, "minute": 41}
